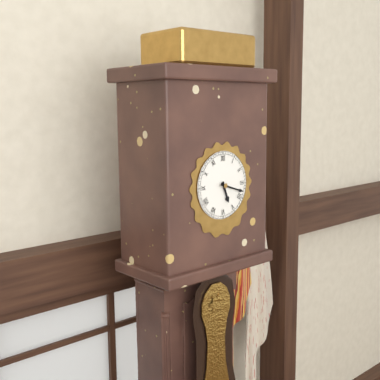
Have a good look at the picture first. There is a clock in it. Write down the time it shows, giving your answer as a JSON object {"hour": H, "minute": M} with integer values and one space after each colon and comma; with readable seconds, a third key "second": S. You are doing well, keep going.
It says {"hour": 5, "minute": 18}
